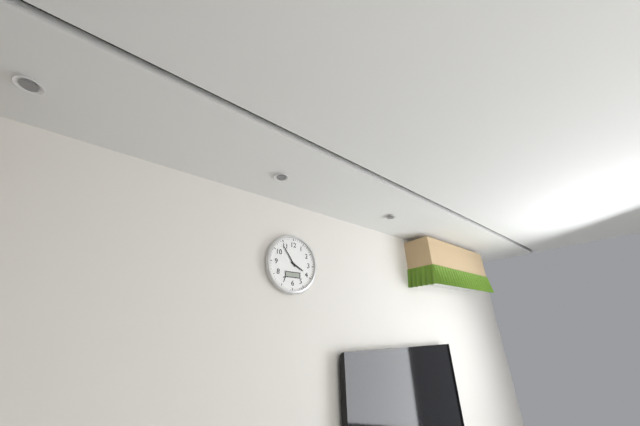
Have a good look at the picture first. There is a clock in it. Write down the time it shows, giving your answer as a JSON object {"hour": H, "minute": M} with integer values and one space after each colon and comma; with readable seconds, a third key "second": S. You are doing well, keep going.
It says {"hour": 3, "minute": 54}
